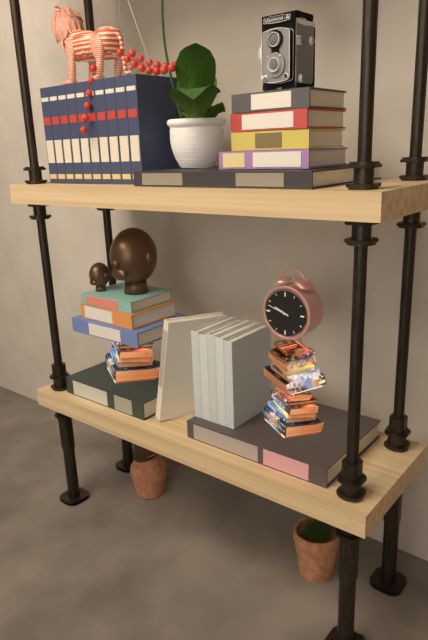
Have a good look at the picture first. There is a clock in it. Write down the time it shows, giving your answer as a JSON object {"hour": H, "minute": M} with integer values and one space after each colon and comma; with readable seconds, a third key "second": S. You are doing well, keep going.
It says {"hour": 9, "minute": 48}
